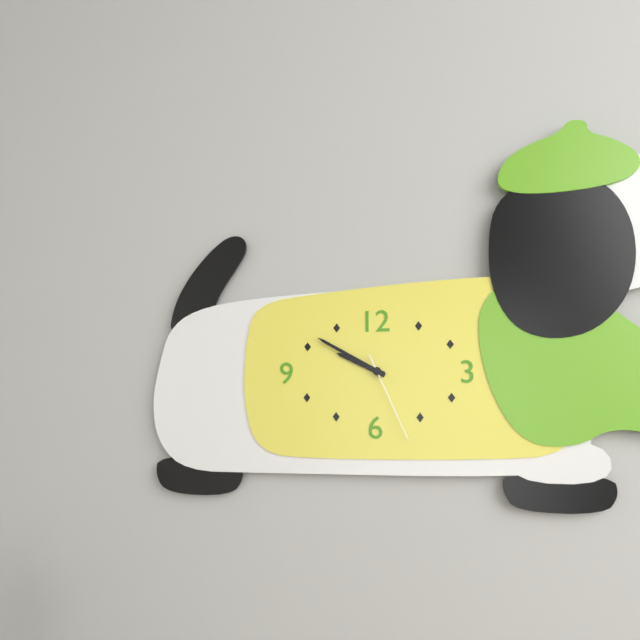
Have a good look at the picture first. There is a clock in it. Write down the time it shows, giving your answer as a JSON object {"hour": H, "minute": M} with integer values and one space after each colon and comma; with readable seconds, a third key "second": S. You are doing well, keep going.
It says {"hour": 9, "minute": 50, "second": 26}
